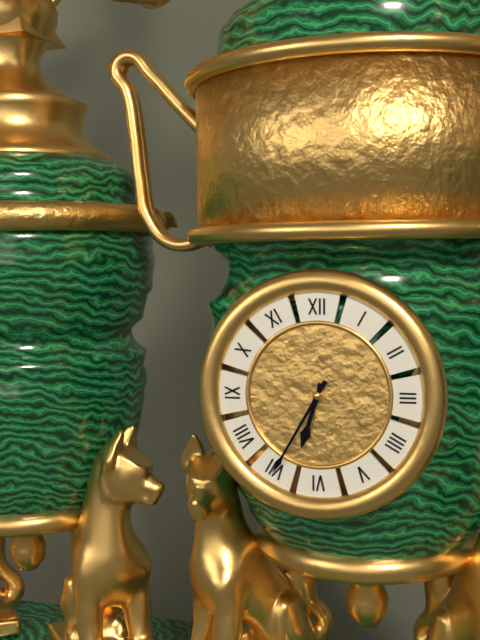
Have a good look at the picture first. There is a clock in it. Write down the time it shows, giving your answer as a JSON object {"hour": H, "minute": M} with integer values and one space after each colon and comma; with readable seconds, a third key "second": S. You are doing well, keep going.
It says {"hour": 6, "minute": 35}
